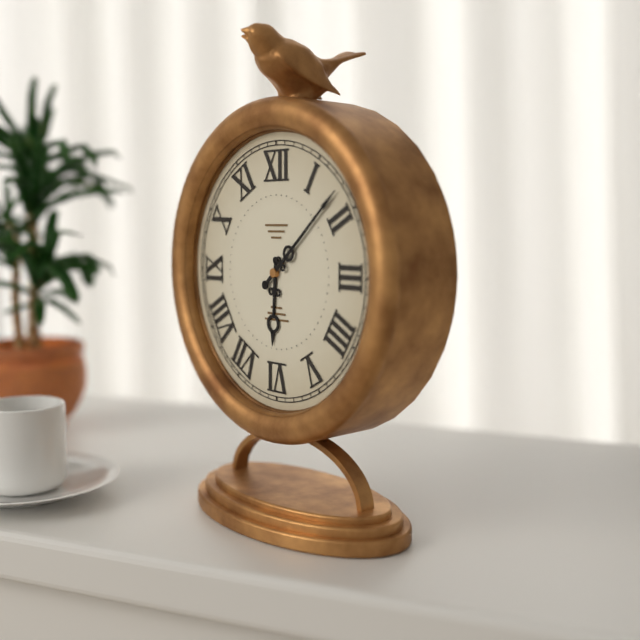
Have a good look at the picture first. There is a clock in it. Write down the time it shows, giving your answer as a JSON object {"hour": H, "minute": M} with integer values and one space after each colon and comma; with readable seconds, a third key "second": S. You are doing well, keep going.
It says {"hour": 6, "minute": 8}
